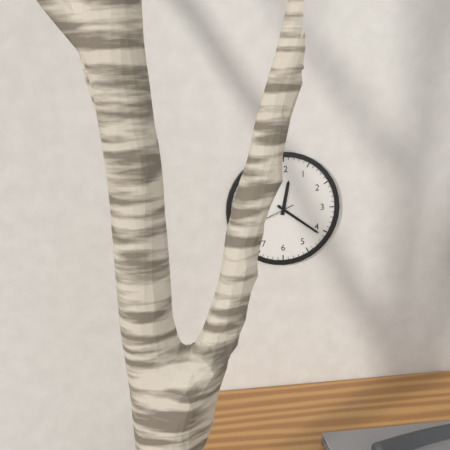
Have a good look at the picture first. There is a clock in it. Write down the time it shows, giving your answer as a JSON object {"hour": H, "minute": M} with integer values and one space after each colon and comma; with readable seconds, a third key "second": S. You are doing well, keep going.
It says {"hour": 12, "minute": 21}
